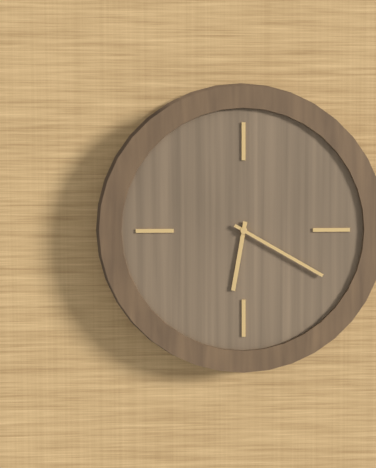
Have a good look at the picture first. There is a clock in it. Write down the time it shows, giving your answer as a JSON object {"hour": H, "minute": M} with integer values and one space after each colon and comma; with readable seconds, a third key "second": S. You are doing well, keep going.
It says {"hour": 6, "minute": 20}
